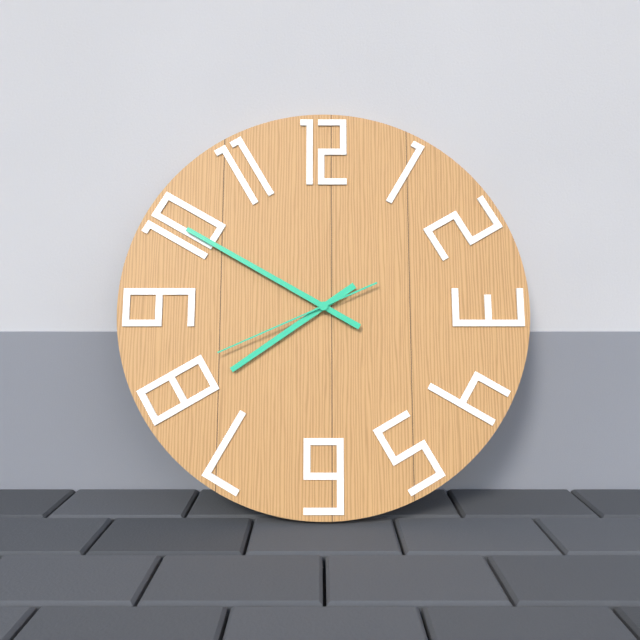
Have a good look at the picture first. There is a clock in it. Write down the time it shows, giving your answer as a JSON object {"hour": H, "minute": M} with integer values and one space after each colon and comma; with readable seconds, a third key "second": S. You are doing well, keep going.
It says {"hour": 7, "minute": 50, "second": 41}
